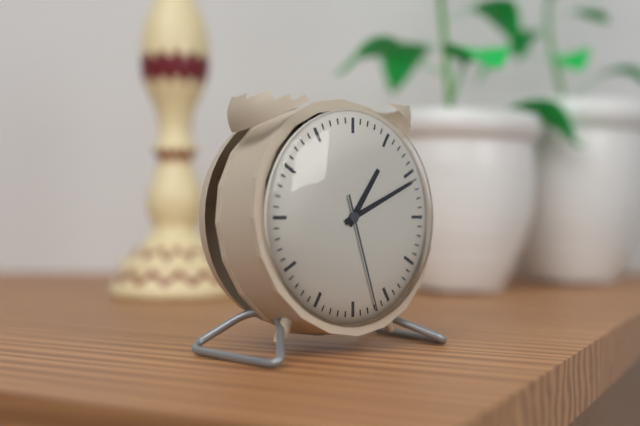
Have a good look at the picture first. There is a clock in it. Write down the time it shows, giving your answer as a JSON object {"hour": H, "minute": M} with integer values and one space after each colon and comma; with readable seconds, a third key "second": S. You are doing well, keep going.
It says {"hour": 1, "minute": 11, "second": 27}
